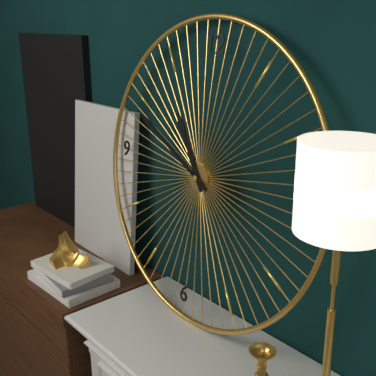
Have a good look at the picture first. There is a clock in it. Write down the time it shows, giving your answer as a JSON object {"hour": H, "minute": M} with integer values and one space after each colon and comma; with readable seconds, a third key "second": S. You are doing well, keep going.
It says {"hour": 10, "minute": 49}
